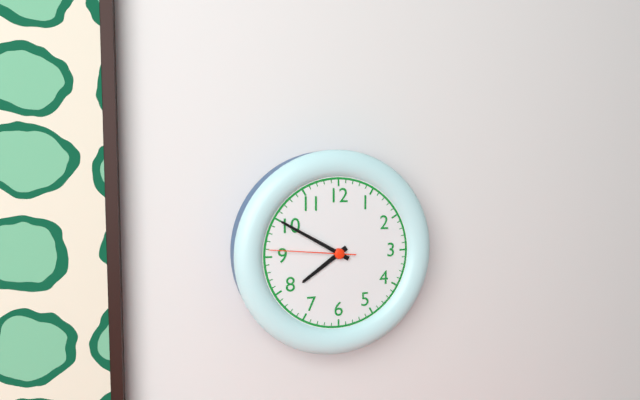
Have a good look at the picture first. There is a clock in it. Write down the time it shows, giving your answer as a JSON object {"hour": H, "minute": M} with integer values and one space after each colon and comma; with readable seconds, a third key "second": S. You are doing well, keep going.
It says {"hour": 7, "minute": 50, "second": 46}
